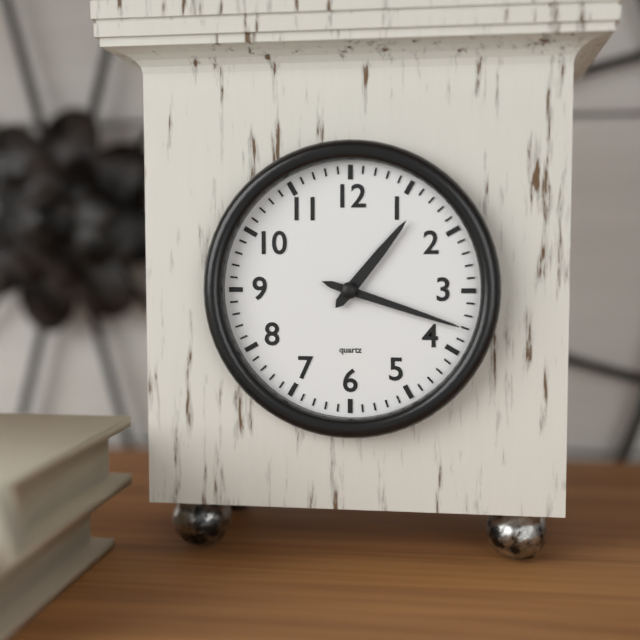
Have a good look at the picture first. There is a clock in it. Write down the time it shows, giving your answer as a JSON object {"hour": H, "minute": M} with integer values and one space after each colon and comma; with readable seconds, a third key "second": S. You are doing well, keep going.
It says {"hour": 1, "minute": 18}
